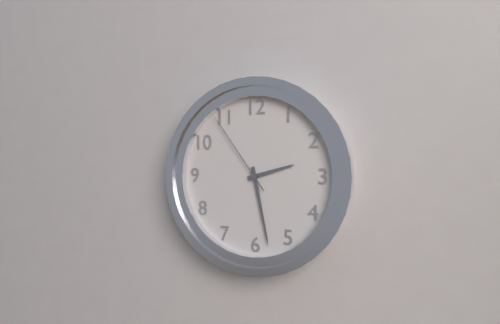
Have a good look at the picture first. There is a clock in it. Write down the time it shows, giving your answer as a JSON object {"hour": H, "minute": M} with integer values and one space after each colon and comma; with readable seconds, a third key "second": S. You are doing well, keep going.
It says {"hour": 2, "minute": 28, "second": 54}
